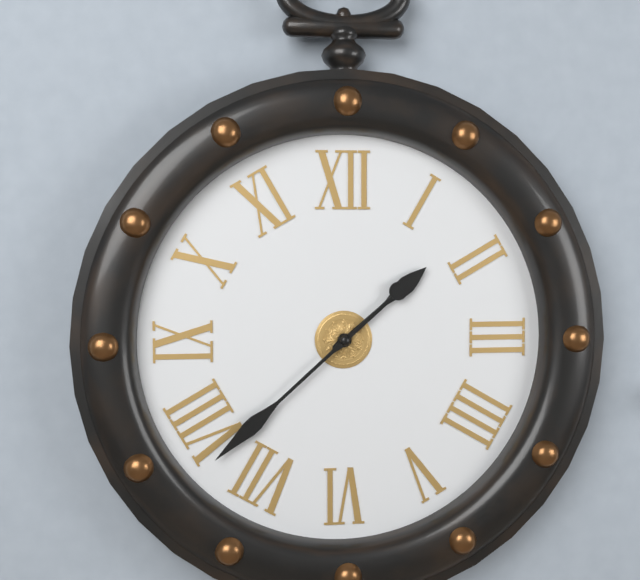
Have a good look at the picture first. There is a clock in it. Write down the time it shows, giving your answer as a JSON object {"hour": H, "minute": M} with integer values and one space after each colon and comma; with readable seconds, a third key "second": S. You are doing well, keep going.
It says {"hour": 1, "minute": 38}
